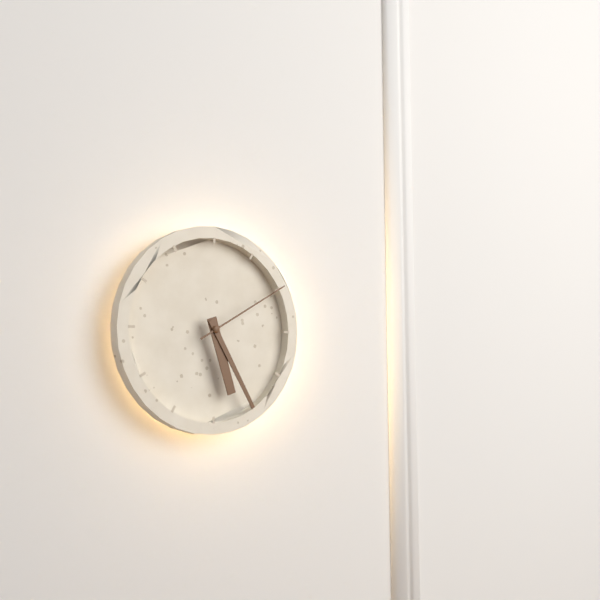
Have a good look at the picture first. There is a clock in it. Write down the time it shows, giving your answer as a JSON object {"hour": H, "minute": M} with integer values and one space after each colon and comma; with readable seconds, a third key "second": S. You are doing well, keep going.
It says {"hour": 5, "minute": 25, "second": 10}
